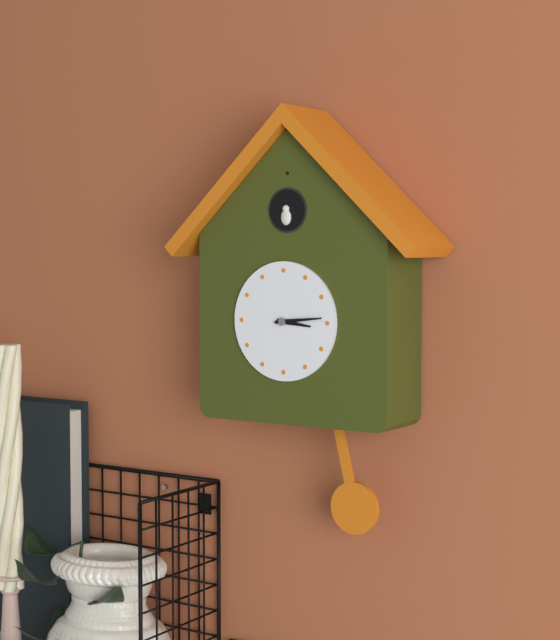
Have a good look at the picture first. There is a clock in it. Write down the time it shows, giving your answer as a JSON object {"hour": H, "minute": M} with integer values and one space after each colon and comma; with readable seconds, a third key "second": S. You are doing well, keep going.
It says {"hour": 3, "minute": 14}
